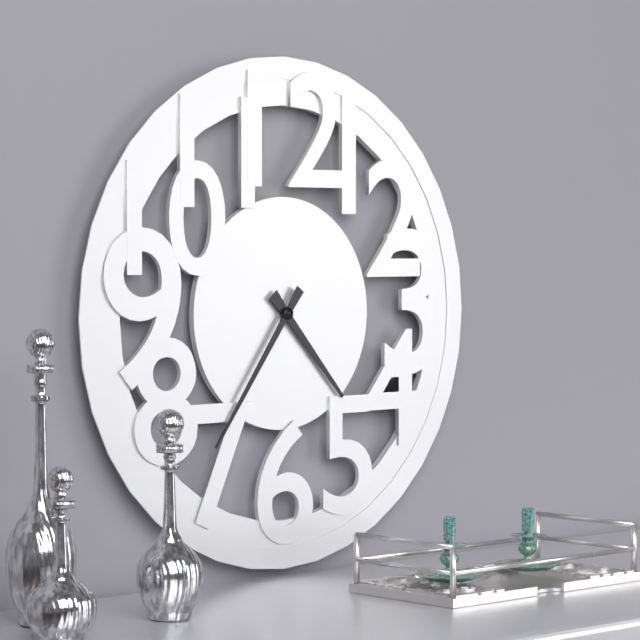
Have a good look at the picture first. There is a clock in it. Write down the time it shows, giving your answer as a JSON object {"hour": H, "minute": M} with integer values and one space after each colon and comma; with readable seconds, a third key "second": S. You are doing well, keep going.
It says {"hour": 4, "minute": 36}
